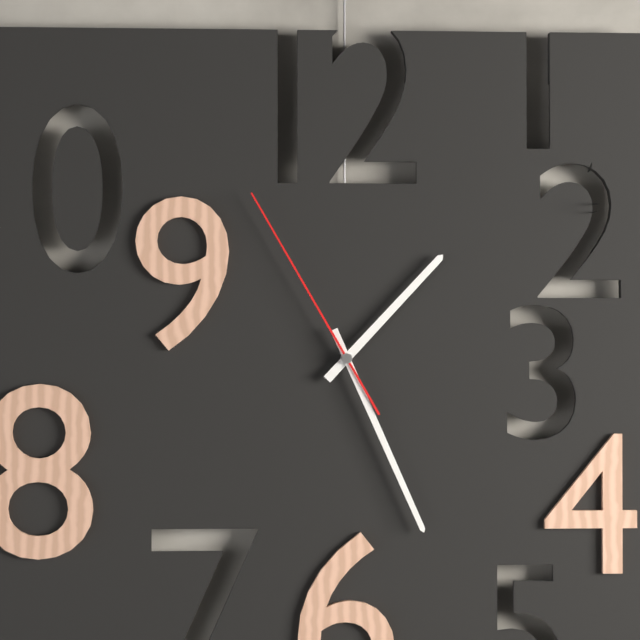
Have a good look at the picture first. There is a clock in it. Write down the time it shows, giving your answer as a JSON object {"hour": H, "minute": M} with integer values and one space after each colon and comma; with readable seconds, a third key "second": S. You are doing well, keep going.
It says {"hour": 1, "minute": 26, "second": 55}
